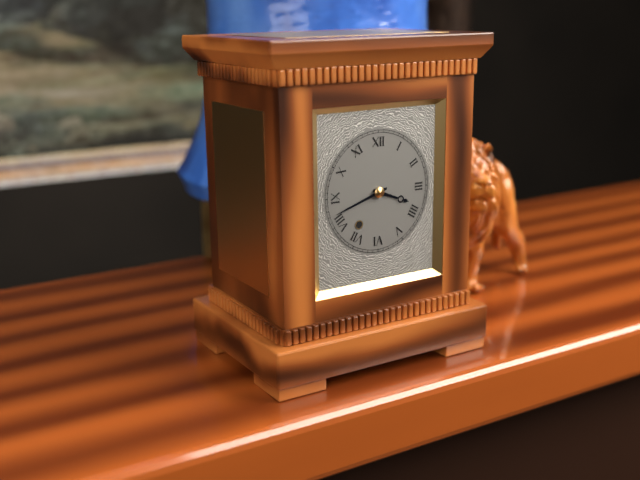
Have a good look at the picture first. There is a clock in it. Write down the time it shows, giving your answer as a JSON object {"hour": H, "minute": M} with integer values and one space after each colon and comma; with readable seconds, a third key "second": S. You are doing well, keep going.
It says {"hour": 3, "minute": 42}
